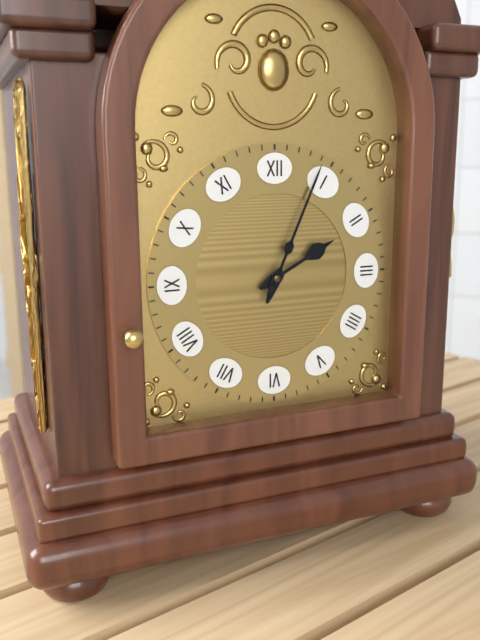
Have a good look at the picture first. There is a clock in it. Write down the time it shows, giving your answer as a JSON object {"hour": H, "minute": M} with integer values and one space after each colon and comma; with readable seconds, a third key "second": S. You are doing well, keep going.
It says {"hour": 2, "minute": 4}
